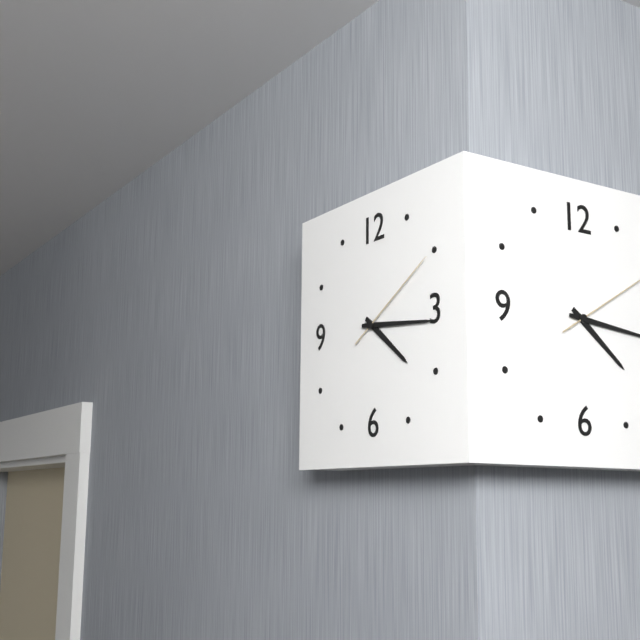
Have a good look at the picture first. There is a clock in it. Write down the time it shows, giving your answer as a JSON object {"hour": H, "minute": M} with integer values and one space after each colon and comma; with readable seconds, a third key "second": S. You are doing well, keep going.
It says {"hour": 4, "minute": 16, "second": 10}
